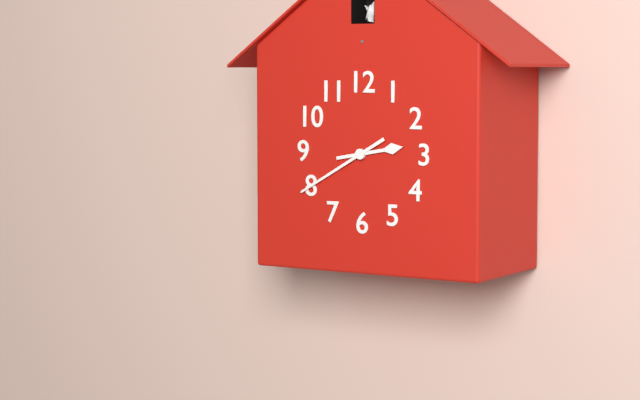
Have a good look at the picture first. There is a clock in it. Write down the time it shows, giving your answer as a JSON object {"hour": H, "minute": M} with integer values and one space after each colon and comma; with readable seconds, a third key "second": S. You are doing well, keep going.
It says {"hour": 2, "minute": 40}
